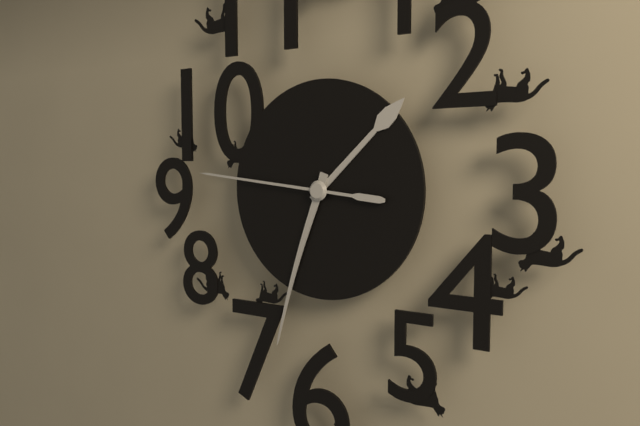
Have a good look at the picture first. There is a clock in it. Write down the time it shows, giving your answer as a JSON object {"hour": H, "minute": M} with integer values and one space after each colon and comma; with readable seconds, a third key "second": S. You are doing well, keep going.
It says {"hour": 1, "minute": 33, "second": 46}
